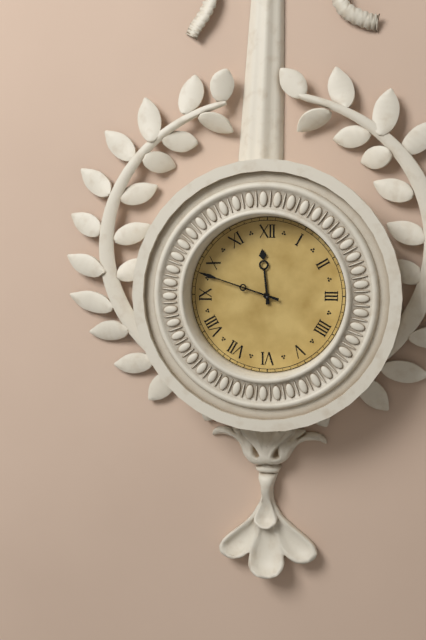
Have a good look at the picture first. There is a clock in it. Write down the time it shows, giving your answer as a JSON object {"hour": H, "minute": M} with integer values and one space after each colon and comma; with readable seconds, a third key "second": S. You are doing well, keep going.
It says {"hour": 11, "minute": 48}
